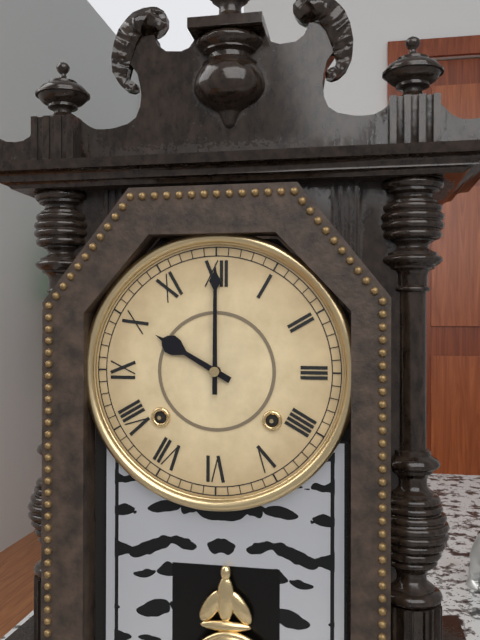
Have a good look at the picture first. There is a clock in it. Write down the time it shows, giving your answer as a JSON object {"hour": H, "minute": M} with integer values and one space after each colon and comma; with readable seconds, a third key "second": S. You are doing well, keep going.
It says {"hour": 10, "minute": 0}
